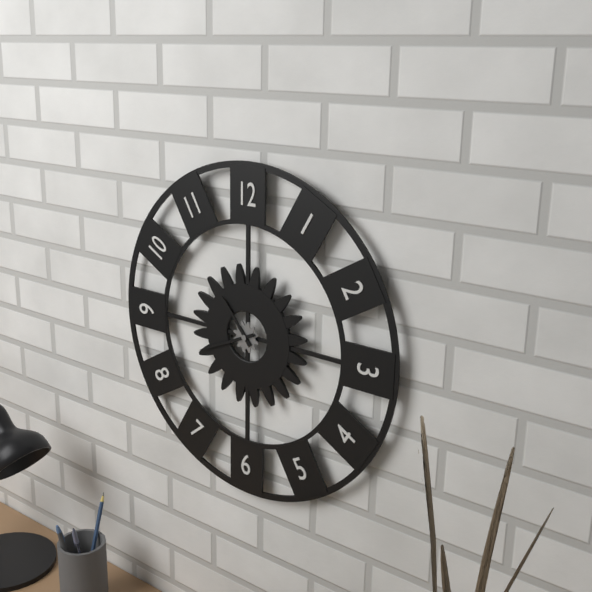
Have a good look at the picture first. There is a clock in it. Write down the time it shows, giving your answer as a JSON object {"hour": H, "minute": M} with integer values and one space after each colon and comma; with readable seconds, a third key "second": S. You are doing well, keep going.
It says {"hour": 10, "minute": 41}
